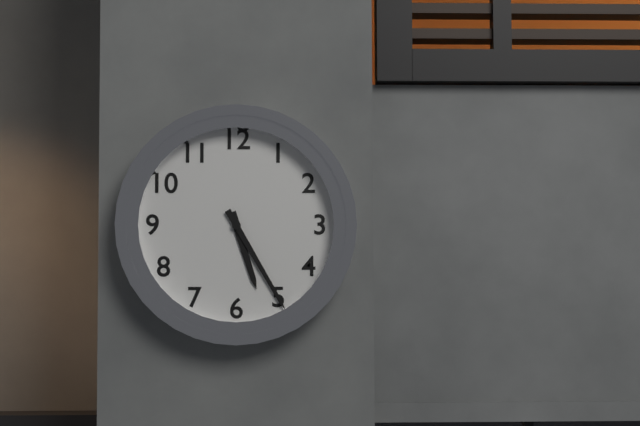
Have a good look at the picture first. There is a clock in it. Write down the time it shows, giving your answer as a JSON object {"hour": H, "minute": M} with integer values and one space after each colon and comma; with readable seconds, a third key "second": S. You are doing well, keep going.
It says {"hour": 5, "minute": 25}
